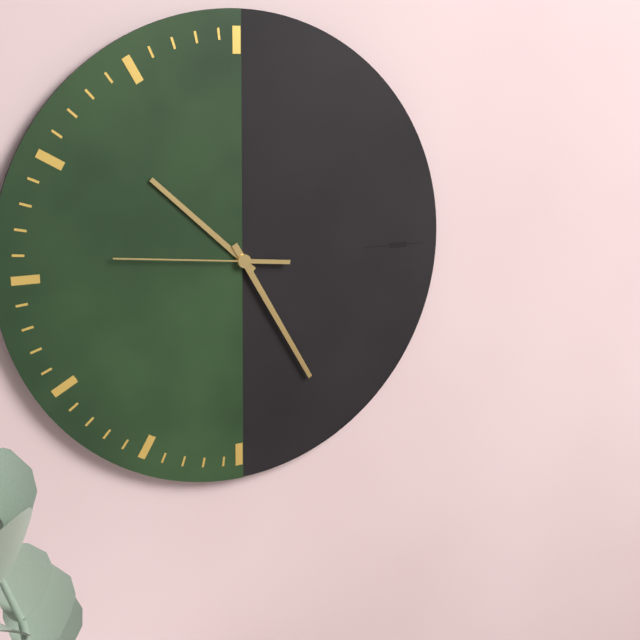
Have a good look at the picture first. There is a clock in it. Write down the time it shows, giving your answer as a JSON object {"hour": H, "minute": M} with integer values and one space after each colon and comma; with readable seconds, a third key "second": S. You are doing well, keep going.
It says {"hour": 10, "minute": 25, "second": 46}
